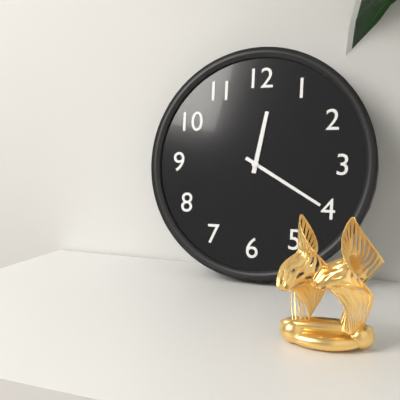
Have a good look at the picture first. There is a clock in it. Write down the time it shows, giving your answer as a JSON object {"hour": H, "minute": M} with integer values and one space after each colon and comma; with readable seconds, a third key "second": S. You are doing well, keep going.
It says {"hour": 12, "minute": 20}
